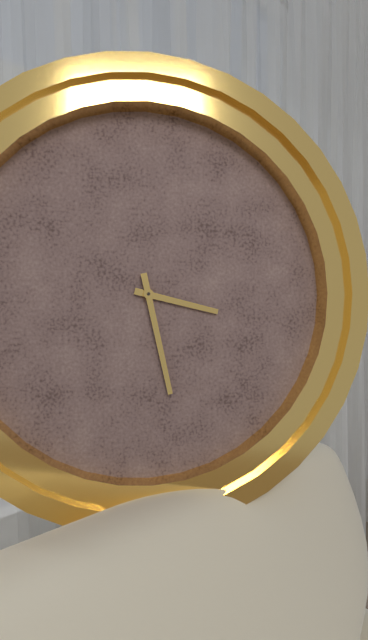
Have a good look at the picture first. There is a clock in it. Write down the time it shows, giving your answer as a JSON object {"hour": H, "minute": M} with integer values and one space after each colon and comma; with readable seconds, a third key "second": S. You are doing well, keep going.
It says {"hour": 3, "minute": 28}
